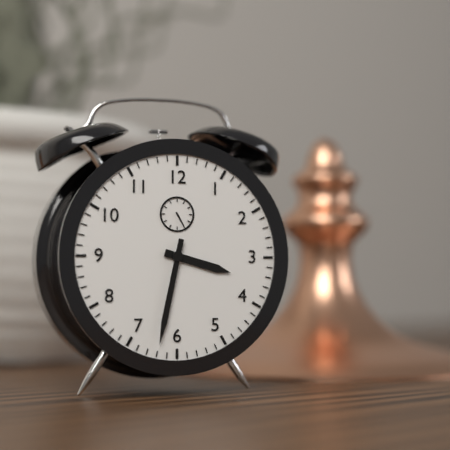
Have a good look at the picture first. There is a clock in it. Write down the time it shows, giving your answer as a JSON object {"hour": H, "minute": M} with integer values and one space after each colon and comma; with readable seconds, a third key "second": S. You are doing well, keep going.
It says {"hour": 3, "minute": 32}
